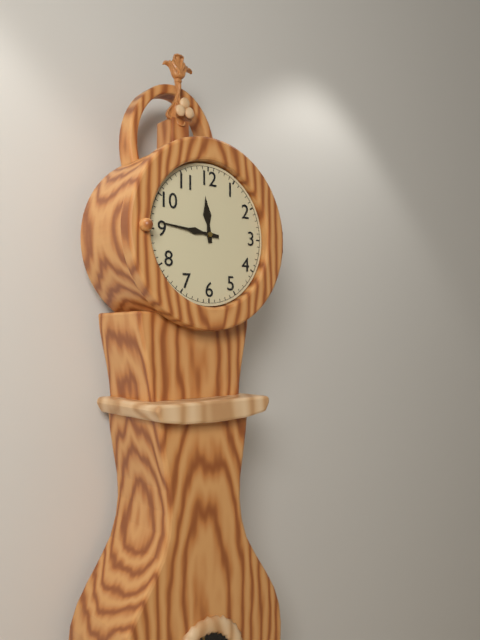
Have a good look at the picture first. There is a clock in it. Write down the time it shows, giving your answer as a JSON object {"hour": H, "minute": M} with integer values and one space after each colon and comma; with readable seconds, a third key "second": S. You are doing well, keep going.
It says {"hour": 11, "minute": 46}
